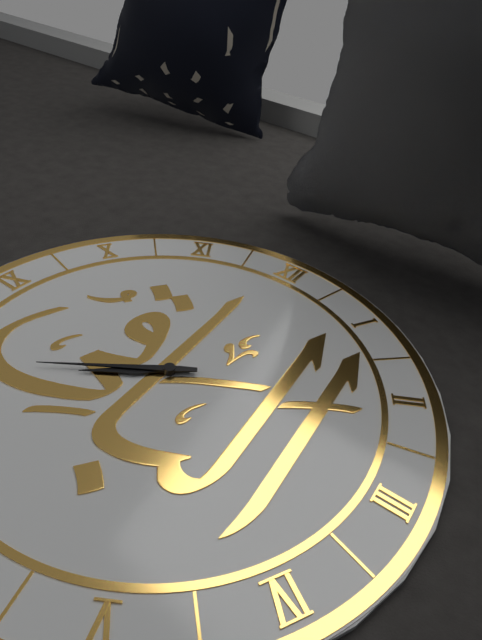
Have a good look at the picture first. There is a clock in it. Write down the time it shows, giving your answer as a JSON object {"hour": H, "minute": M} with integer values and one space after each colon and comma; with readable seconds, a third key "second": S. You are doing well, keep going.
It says {"hour": 7, "minute": 39}
